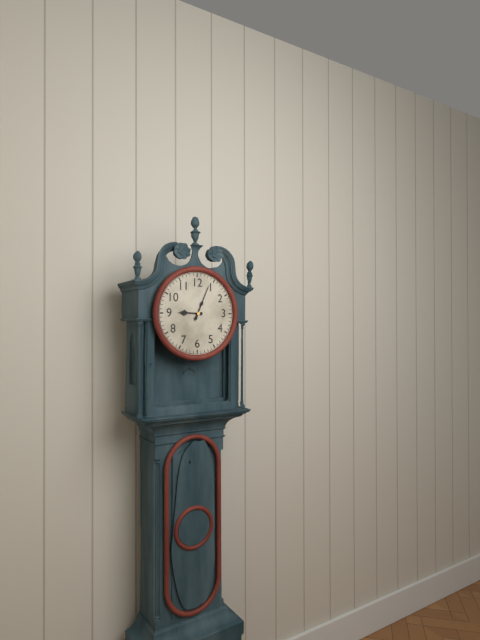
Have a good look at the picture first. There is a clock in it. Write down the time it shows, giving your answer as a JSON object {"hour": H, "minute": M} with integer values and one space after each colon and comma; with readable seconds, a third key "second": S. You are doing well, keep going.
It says {"hour": 9, "minute": 4}
